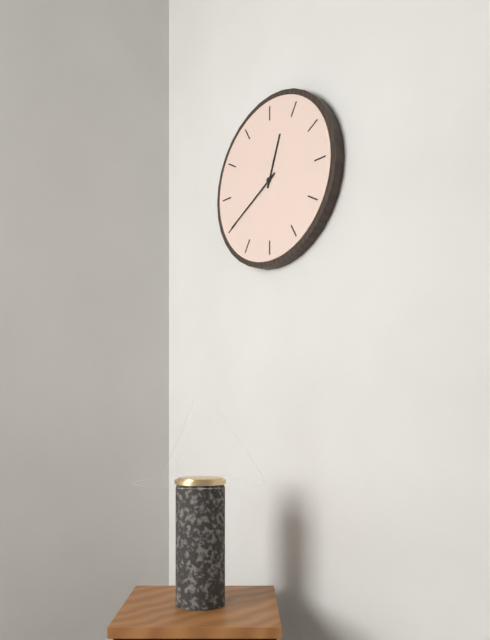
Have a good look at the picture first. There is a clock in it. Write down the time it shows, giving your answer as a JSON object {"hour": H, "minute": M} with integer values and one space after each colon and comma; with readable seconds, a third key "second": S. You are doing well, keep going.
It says {"hour": 12, "minute": 40}
